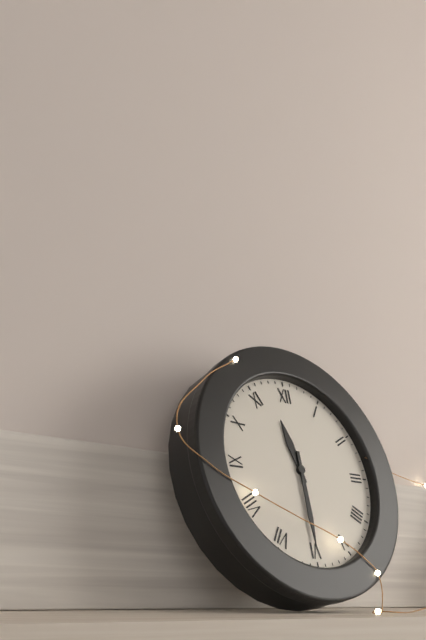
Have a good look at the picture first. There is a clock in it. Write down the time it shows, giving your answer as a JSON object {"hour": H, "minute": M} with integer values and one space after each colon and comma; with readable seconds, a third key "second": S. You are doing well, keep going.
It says {"hour": 11, "minute": 30}
